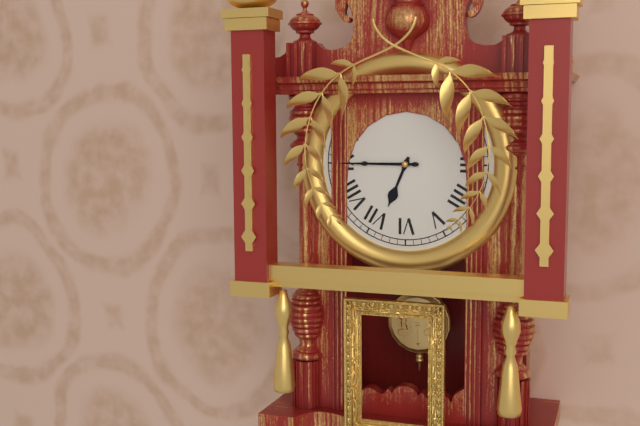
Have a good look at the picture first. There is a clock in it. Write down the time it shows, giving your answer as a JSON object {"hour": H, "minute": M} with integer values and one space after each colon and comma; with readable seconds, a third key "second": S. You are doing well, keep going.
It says {"hour": 6, "minute": 45}
